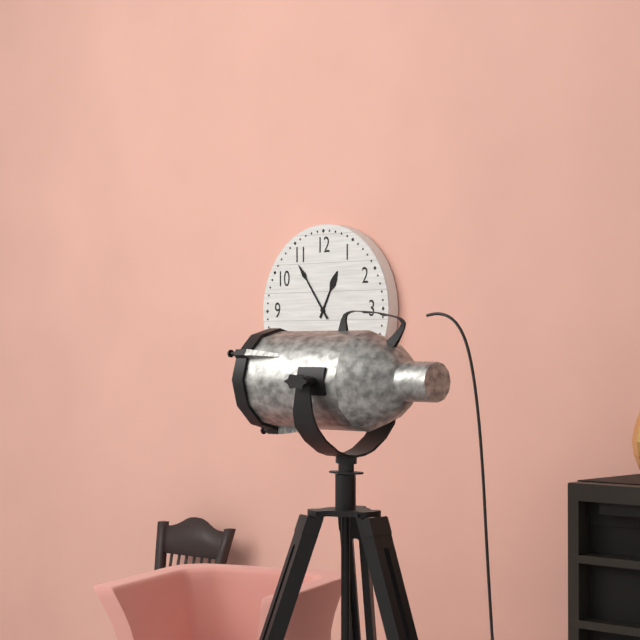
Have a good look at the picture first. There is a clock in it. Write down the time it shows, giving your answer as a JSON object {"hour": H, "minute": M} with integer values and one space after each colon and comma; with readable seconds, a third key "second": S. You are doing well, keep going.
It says {"hour": 12, "minute": 54}
